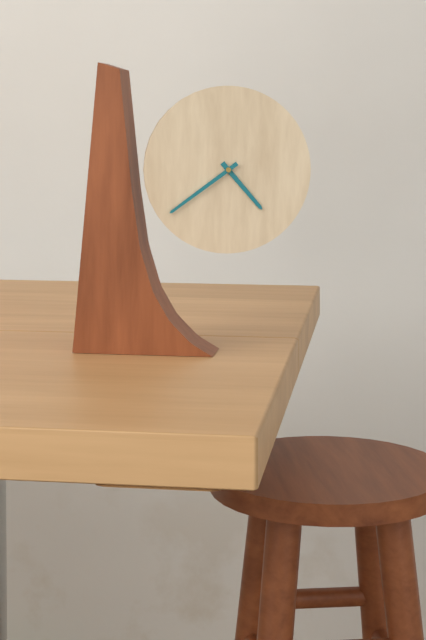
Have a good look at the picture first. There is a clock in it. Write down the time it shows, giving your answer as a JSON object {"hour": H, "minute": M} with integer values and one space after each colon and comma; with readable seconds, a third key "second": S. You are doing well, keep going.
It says {"hour": 4, "minute": 39}
